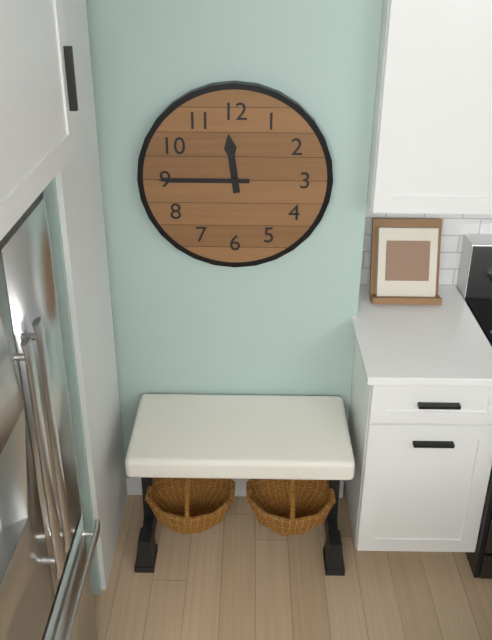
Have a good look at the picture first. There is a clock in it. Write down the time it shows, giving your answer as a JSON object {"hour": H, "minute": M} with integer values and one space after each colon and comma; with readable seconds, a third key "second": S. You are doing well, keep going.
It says {"hour": 11, "minute": 45}
